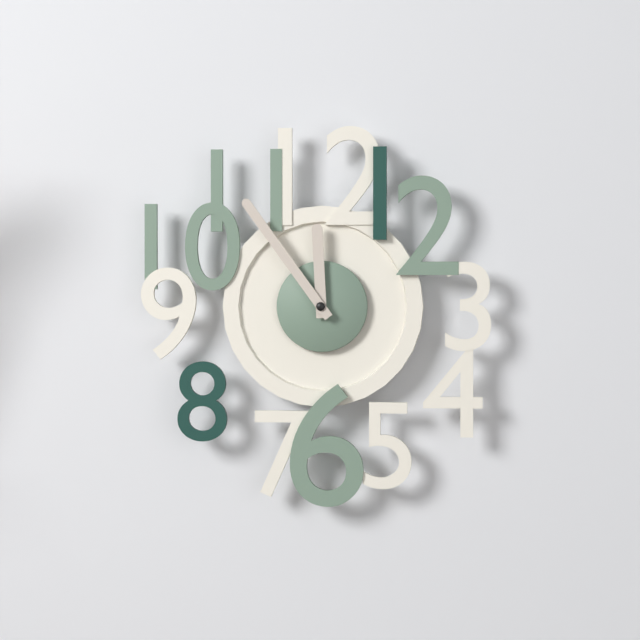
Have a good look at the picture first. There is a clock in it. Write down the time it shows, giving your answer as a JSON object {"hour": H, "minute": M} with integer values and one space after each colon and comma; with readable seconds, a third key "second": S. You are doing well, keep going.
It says {"hour": 11, "minute": 54}
